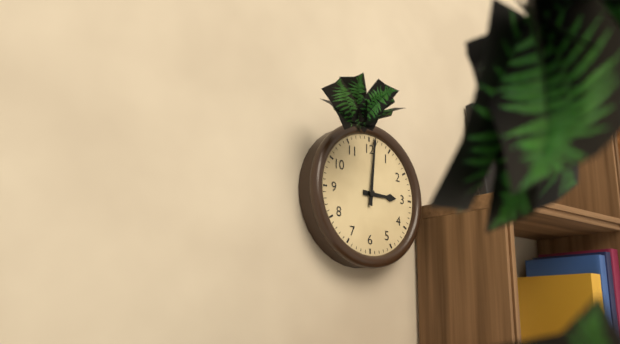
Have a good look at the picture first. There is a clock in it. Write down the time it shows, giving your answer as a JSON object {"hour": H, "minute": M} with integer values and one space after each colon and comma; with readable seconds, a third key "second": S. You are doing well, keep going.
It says {"hour": 3, "minute": 1}
